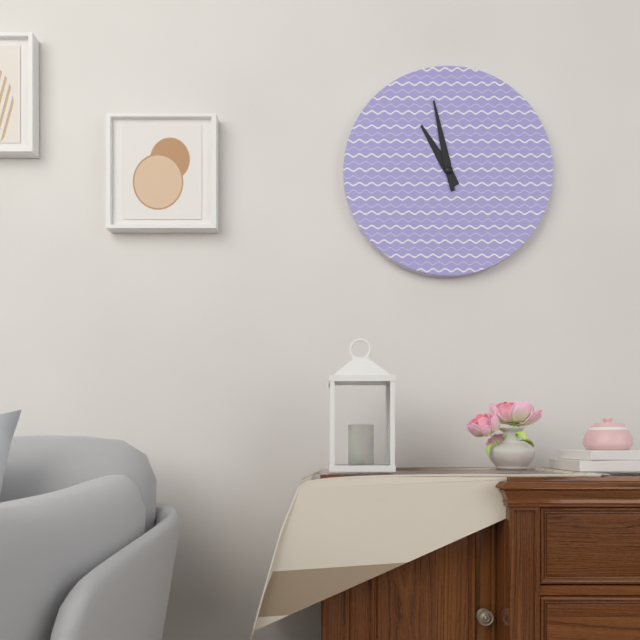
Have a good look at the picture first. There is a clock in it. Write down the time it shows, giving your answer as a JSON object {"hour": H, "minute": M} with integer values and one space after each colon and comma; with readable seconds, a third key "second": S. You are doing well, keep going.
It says {"hour": 10, "minute": 58}
